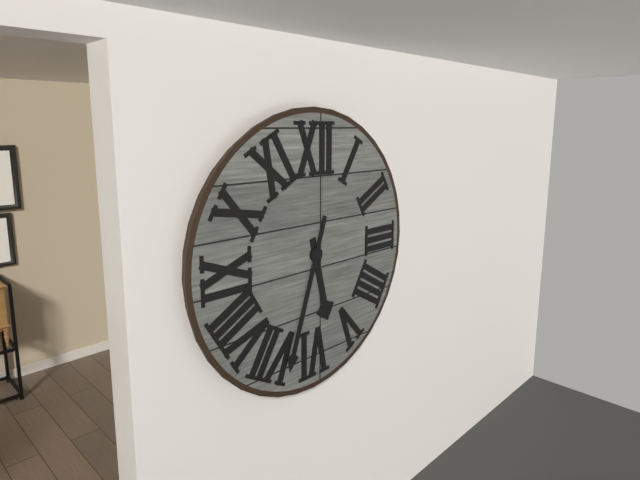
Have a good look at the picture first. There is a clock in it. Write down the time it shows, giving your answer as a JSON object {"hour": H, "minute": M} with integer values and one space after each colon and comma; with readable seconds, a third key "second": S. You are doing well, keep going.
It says {"hour": 5, "minute": 33}
